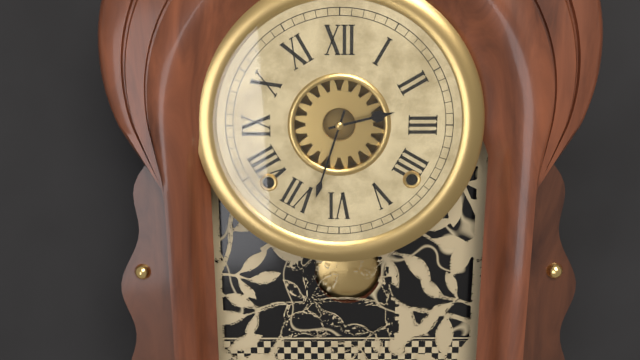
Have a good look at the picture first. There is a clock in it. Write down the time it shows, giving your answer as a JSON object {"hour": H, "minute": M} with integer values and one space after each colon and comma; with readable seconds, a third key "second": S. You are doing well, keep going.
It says {"hour": 2, "minute": 33}
